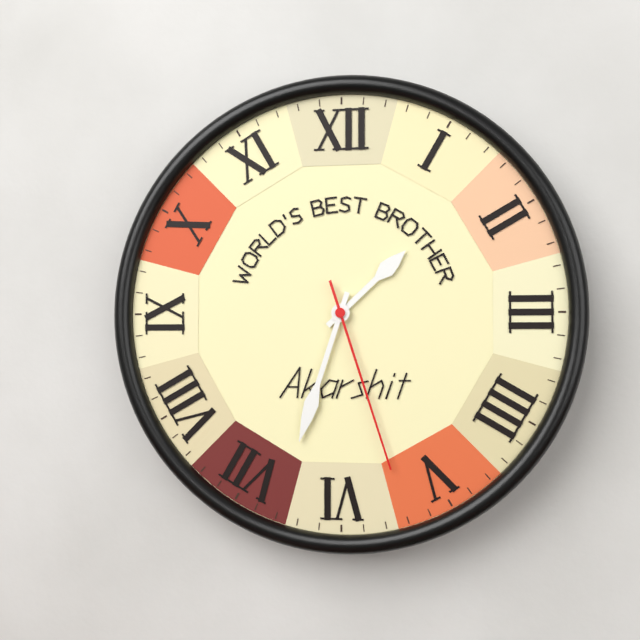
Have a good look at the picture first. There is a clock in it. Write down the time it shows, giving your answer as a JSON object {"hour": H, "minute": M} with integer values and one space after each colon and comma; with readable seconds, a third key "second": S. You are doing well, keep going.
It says {"hour": 1, "minute": 33, "second": 27}
